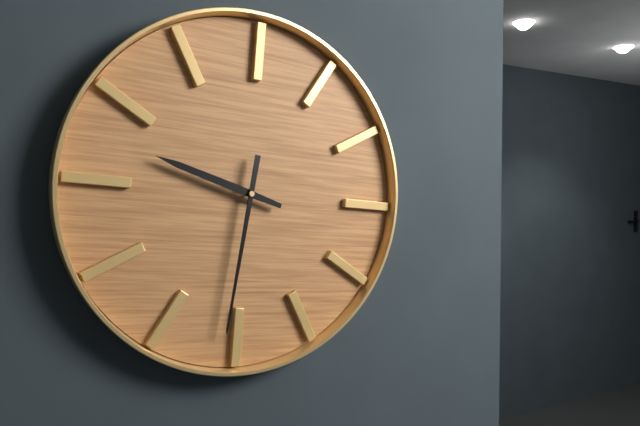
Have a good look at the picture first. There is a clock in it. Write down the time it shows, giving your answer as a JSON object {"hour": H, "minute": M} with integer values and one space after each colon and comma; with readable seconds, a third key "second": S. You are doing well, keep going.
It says {"hour": 9, "minute": 31}
